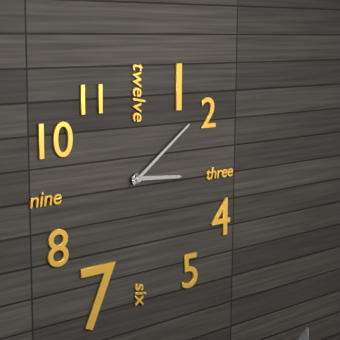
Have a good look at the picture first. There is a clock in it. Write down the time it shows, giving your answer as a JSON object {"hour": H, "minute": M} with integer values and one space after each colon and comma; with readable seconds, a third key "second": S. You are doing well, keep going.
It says {"hour": 3, "minute": 9}
